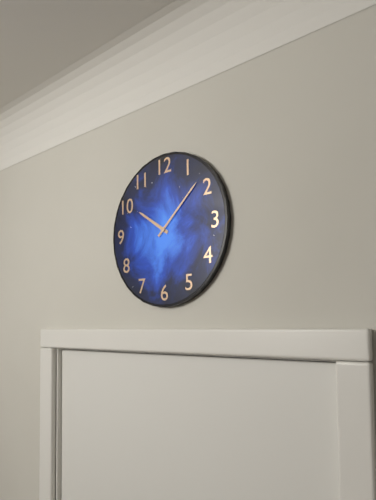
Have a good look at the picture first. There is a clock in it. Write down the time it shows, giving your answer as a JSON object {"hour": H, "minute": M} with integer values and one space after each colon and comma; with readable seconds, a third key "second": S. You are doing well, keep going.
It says {"hour": 10, "minute": 8}
